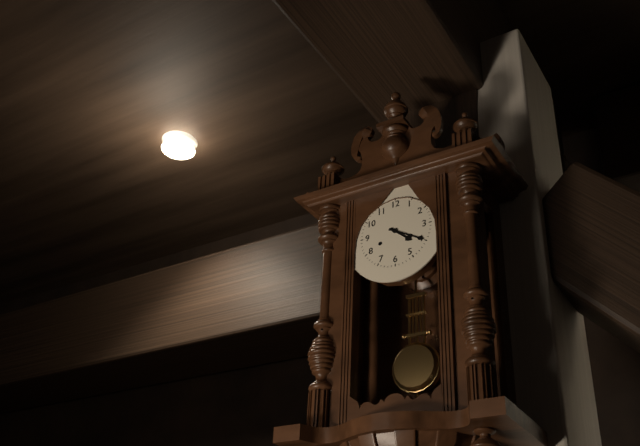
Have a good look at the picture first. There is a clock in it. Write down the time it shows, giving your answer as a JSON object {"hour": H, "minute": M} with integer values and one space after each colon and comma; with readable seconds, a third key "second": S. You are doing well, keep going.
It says {"hour": 4, "minute": 20}
